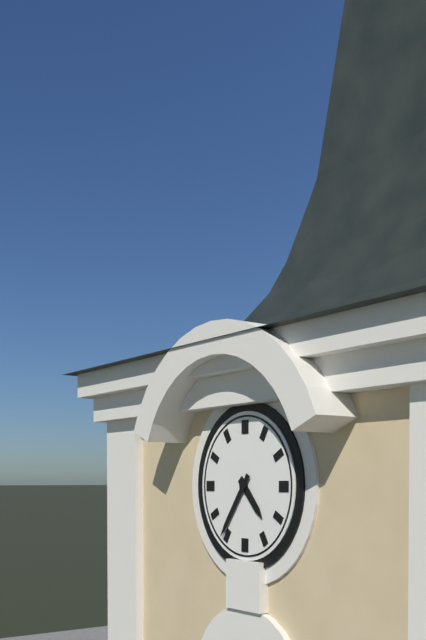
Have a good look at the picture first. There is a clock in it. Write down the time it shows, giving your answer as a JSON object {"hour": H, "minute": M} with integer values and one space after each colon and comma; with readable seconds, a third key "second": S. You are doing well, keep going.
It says {"hour": 4, "minute": 36}
